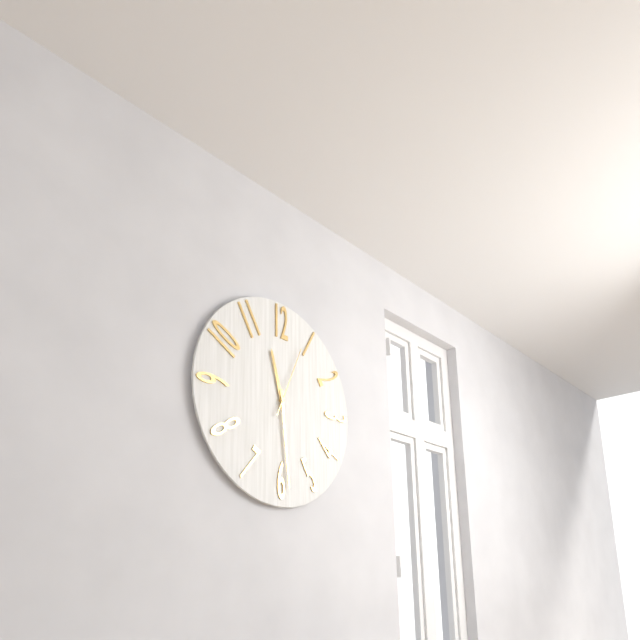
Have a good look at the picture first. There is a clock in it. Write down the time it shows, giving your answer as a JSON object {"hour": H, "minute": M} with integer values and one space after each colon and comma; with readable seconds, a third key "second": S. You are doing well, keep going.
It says {"hour": 11, "minute": 29, "second": 4}
